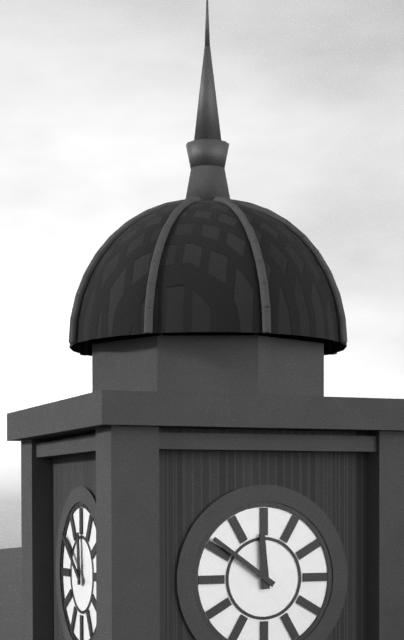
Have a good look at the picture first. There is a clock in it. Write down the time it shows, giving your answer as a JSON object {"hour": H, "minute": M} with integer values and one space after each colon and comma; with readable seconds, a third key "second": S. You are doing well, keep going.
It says {"hour": 11, "minute": 51}
